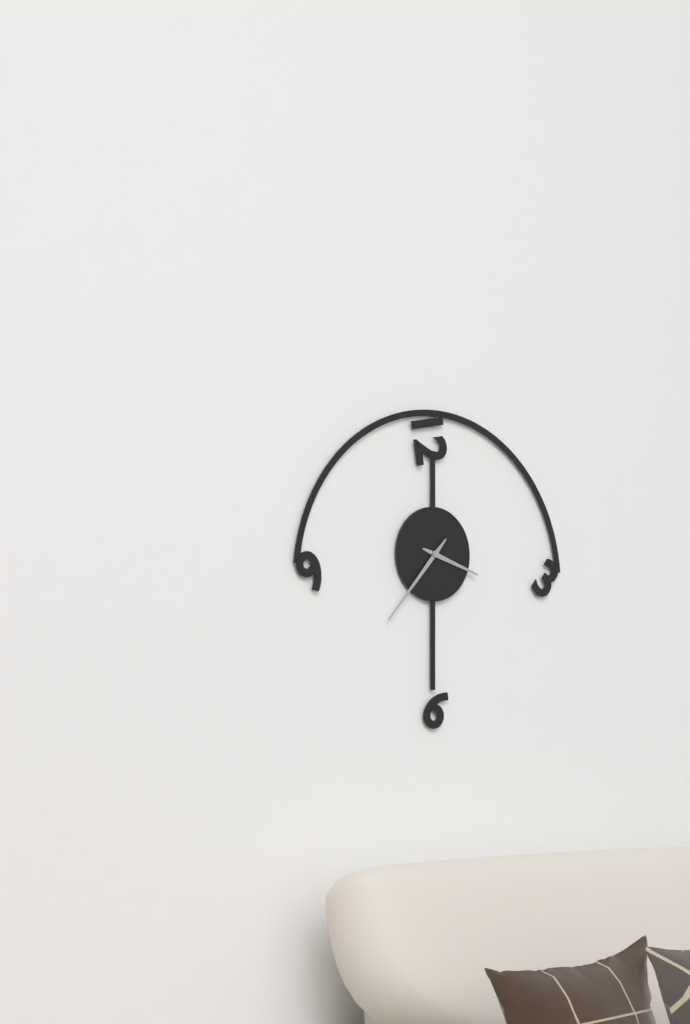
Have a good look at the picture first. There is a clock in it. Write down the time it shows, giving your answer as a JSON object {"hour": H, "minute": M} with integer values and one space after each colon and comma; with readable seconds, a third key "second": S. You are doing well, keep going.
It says {"hour": 3, "minute": 37}
